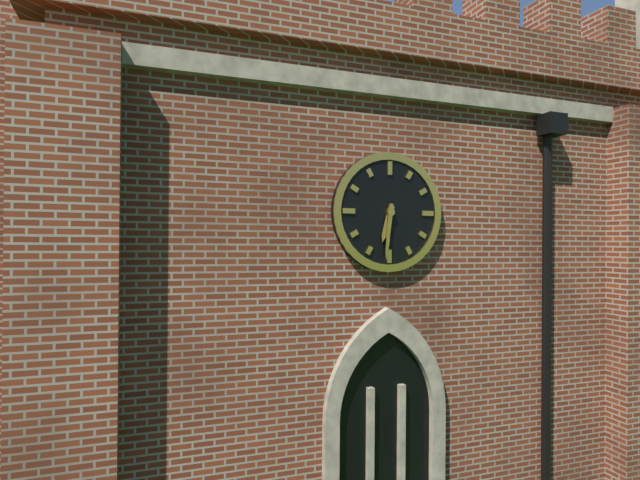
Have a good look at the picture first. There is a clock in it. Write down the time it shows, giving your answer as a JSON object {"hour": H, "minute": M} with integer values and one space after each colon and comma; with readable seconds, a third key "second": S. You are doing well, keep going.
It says {"hour": 6, "minute": 31}
